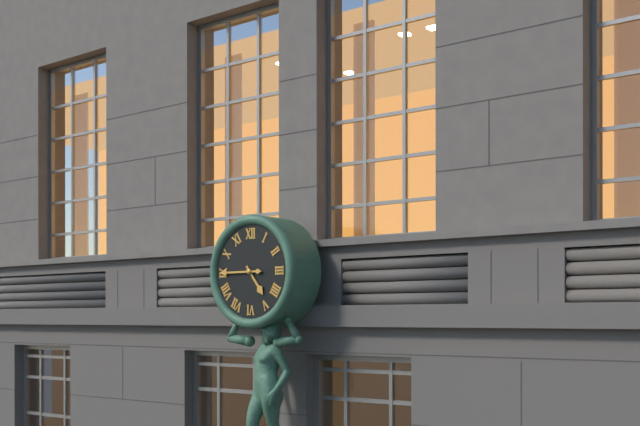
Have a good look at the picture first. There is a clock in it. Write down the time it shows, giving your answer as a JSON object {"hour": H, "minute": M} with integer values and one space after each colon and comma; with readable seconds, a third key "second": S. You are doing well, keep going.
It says {"hour": 4, "minute": 45}
